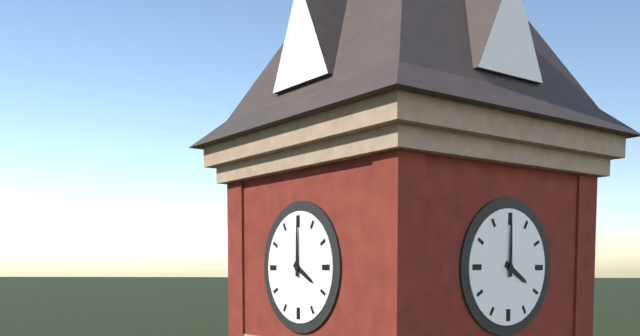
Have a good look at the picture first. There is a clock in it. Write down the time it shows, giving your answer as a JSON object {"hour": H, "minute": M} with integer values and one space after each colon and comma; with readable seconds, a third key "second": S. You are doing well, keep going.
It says {"hour": 4, "minute": 0}
